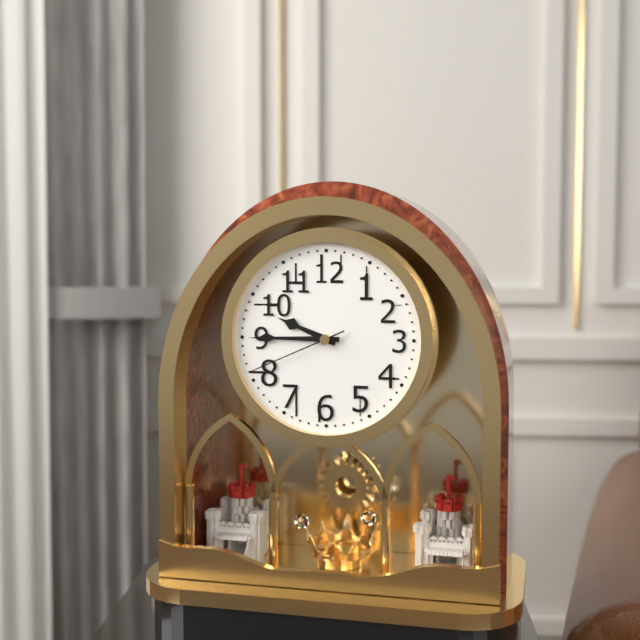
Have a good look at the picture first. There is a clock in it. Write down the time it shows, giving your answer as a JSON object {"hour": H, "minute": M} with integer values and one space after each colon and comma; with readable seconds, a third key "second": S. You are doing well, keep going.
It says {"hour": 9, "minute": 45, "second": 41}
